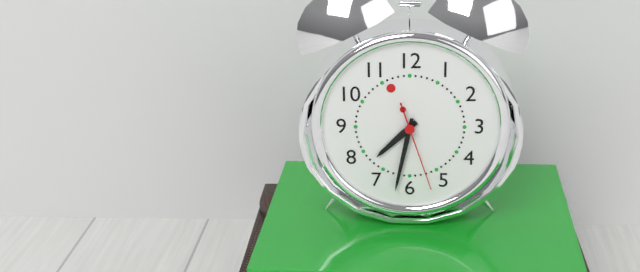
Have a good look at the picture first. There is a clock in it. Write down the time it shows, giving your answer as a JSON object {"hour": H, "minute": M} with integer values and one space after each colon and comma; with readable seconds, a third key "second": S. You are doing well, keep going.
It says {"hour": 7, "minute": 32, "second": 27}
